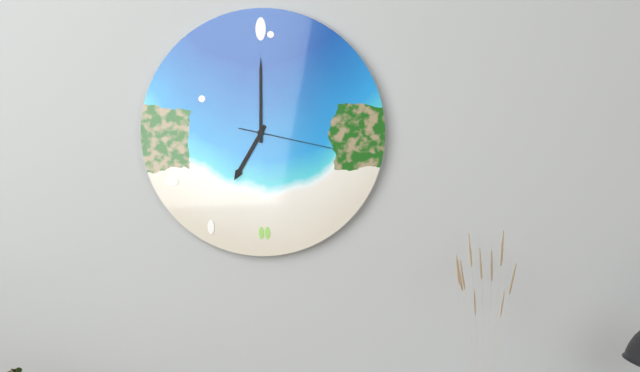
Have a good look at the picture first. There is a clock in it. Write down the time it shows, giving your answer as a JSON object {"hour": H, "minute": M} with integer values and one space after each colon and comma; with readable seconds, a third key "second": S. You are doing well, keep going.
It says {"hour": 7, "minute": 0, "second": 17}
